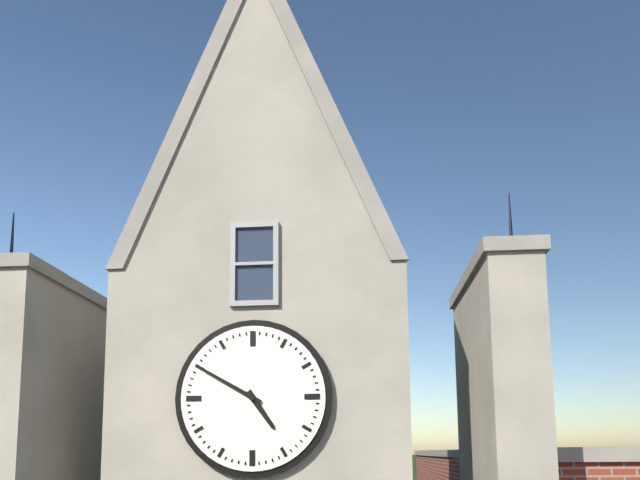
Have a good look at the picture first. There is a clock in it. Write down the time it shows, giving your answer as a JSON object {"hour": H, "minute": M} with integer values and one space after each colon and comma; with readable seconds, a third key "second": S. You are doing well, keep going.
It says {"hour": 4, "minute": 50}
